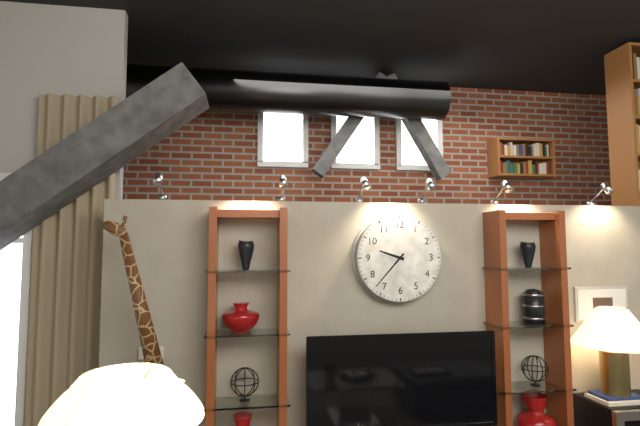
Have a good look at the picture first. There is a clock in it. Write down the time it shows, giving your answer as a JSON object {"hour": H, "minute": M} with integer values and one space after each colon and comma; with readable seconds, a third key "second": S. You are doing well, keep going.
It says {"hour": 9, "minute": 37}
